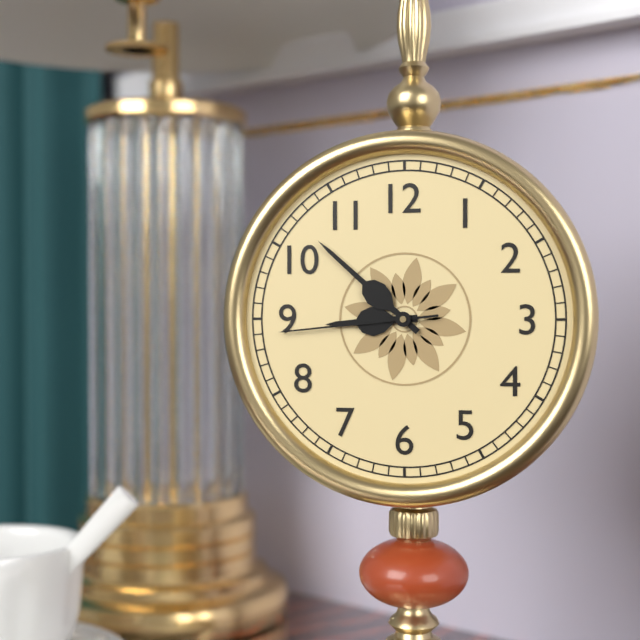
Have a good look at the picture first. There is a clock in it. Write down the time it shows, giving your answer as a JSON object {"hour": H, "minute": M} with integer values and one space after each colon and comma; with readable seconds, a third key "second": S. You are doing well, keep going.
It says {"hour": 8, "minute": 52, "second": 44}
